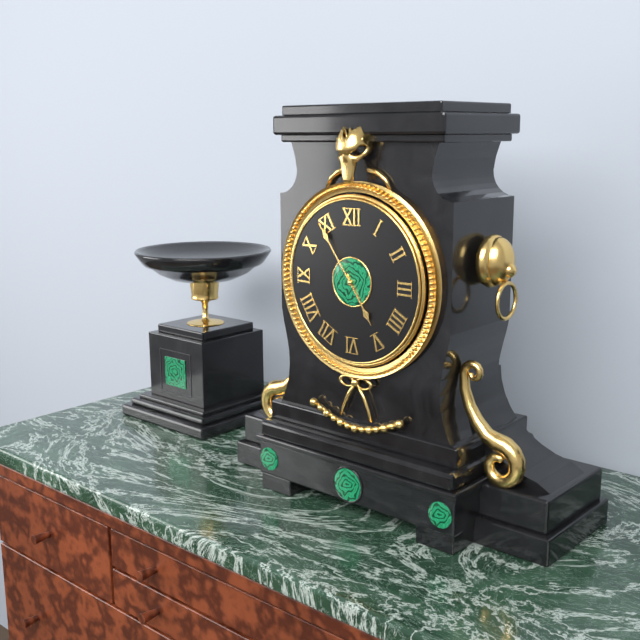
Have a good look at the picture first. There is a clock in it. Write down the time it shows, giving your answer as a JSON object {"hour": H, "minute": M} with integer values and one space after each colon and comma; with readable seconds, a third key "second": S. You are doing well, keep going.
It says {"hour": 4, "minute": 54}
